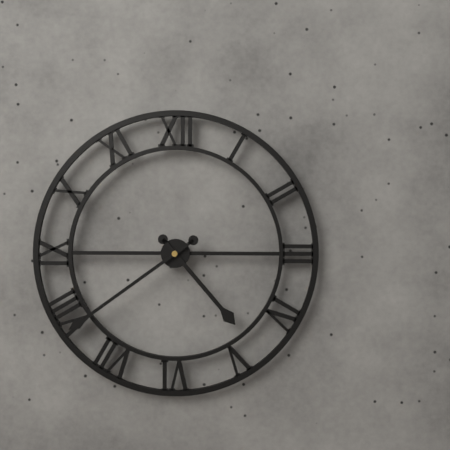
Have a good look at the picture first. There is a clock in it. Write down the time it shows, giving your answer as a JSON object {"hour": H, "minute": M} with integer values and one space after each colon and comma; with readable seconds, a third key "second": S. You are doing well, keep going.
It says {"hour": 4, "minute": 39}
